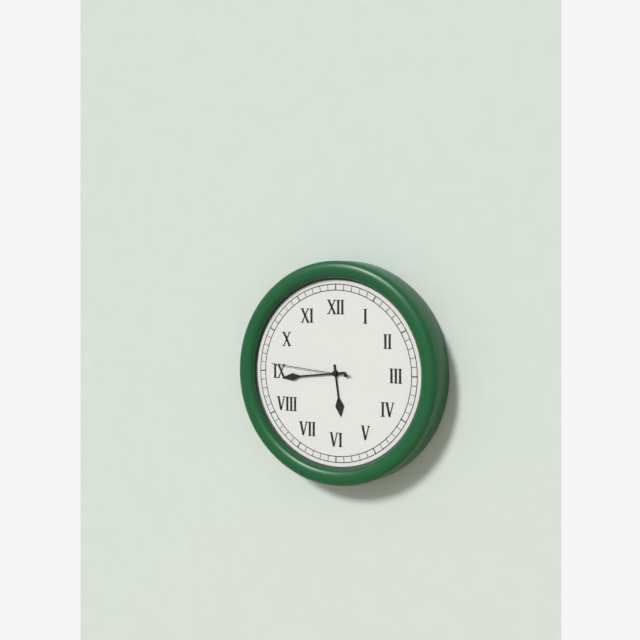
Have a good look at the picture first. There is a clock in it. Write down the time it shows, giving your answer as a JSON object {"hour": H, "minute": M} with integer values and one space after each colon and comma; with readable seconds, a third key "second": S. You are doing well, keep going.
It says {"hour": 5, "minute": 44, "second": 46}
